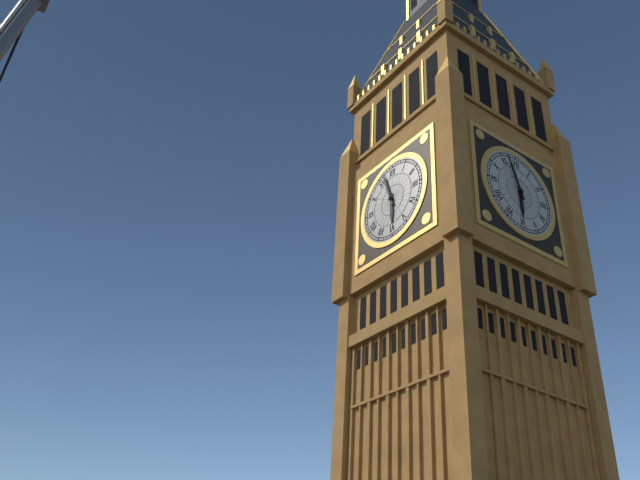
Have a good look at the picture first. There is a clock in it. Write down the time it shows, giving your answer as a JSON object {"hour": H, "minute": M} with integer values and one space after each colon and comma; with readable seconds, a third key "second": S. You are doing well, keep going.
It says {"hour": 5, "minute": 57}
